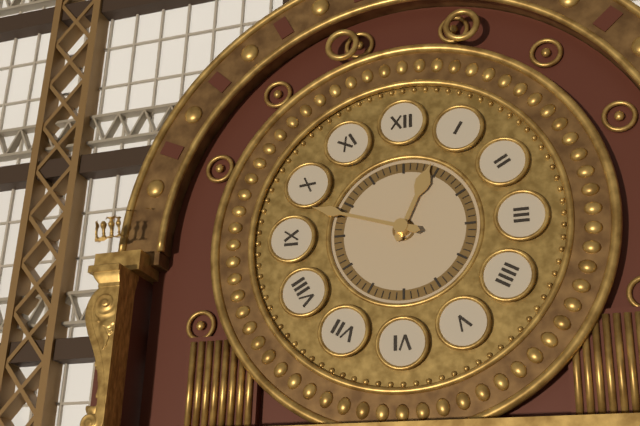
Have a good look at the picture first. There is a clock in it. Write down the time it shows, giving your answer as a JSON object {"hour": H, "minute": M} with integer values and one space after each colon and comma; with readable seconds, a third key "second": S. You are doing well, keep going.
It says {"hour": 12, "minute": 48}
